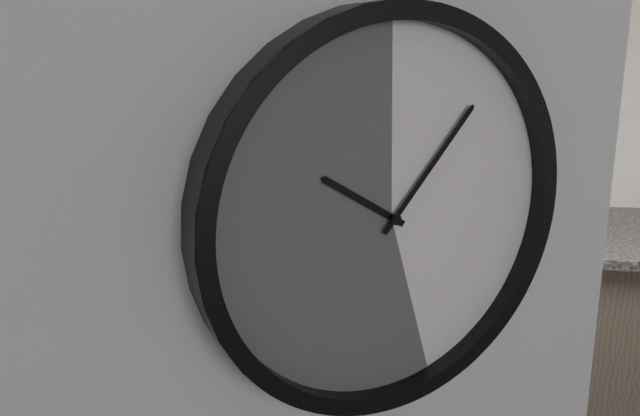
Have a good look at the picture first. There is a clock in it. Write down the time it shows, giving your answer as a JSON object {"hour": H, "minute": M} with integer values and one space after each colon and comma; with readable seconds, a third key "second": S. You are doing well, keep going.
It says {"hour": 10, "minute": 7}
